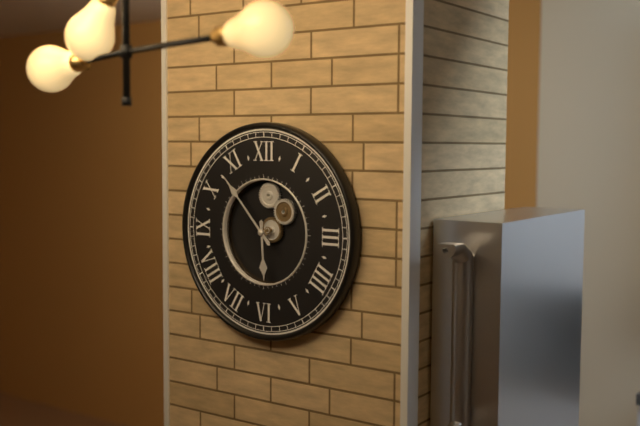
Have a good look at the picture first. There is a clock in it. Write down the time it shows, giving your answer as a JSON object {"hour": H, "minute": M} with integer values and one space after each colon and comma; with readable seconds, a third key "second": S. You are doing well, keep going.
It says {"hour": 5, "minute": 53}
